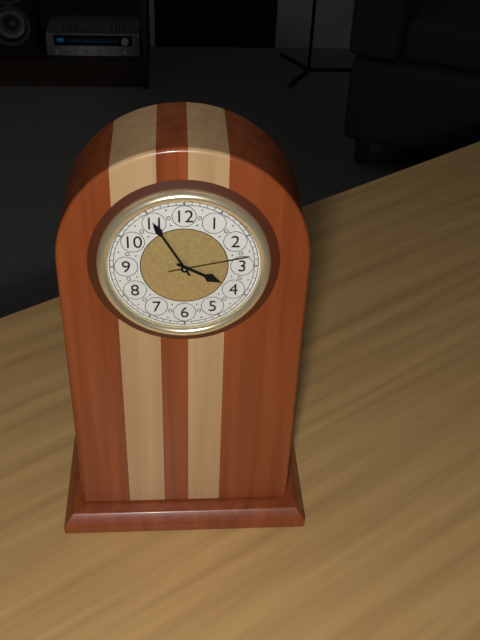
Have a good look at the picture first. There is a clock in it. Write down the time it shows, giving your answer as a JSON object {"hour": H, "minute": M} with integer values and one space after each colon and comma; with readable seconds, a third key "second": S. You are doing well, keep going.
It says {"hour": 3, "minute": 55, "second": 13}
